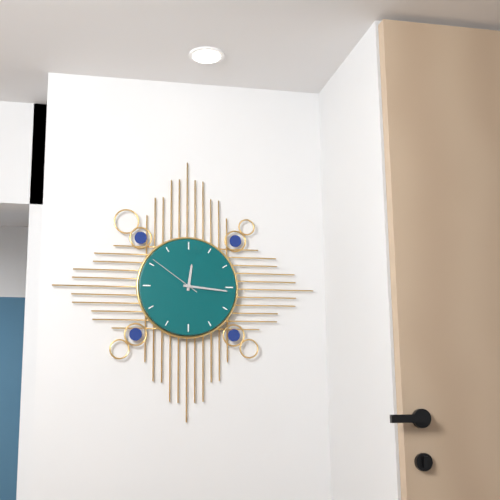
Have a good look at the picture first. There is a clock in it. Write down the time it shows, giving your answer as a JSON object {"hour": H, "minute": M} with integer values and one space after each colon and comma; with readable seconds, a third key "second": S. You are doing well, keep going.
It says {"hour": 12, "minute": 16, "second": 51}
